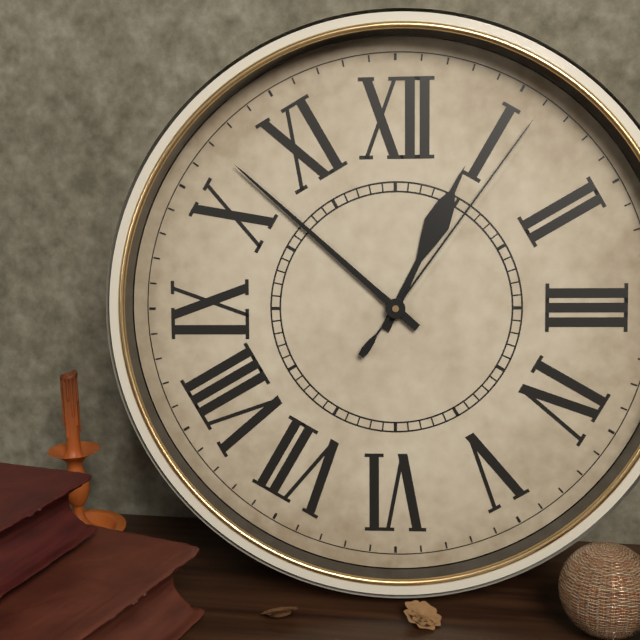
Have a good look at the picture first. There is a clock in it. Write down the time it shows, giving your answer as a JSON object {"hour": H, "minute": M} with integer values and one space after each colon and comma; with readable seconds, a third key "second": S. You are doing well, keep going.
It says {"hour": 12, "minute": 52, "second": 6}
